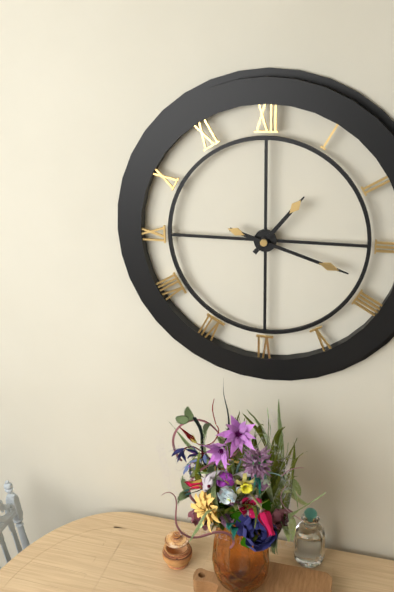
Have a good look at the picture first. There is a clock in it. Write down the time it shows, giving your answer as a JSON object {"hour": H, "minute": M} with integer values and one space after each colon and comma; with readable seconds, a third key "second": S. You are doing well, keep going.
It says {"hour": 1, "minute": 18}
